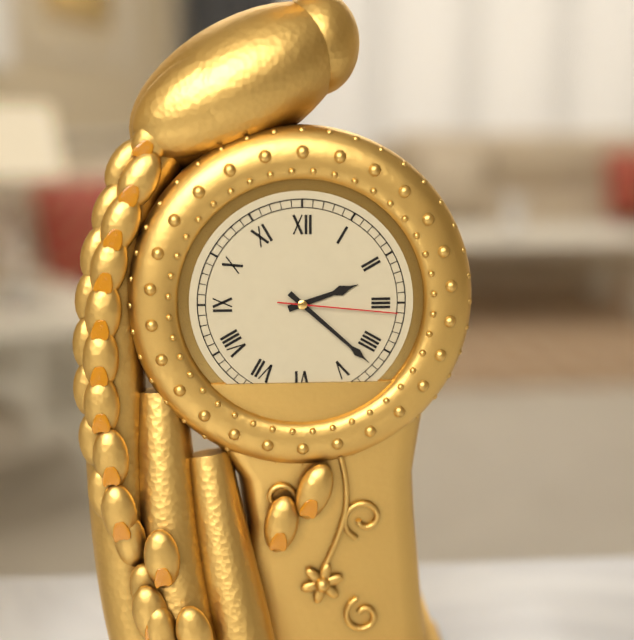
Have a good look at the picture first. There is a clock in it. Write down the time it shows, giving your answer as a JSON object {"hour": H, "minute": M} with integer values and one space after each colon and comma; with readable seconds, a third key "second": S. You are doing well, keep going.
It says {"hour": 2, "minute": 22, "second": 16}
